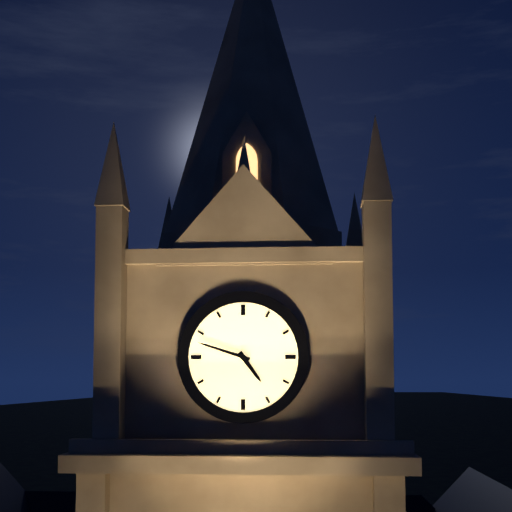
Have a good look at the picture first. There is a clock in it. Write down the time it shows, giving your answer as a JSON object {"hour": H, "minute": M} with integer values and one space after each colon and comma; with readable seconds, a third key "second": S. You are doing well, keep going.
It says {"hour": 4, "minute": 48}
